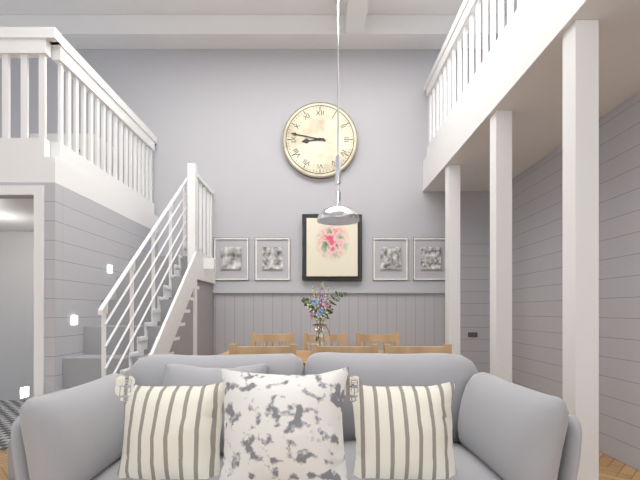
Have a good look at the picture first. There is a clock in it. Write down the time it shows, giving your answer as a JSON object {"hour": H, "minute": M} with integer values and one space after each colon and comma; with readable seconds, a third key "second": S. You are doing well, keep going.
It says {"hour": 8, "minute": 47}
